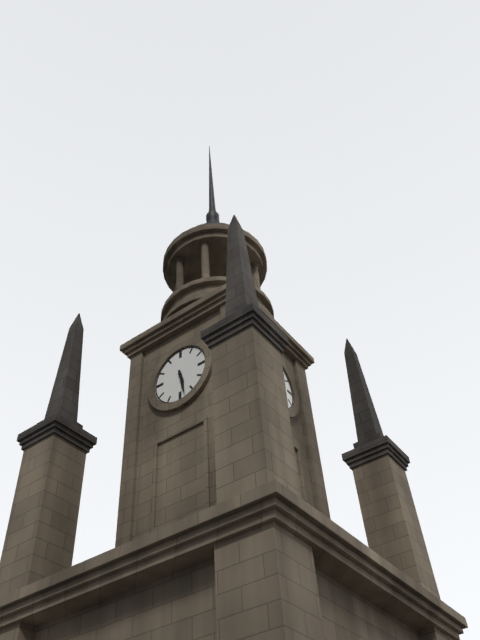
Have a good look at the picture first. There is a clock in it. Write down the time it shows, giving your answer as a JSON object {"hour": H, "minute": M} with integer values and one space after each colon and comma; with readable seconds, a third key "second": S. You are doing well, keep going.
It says {"hour": 5, "minute": 28}
